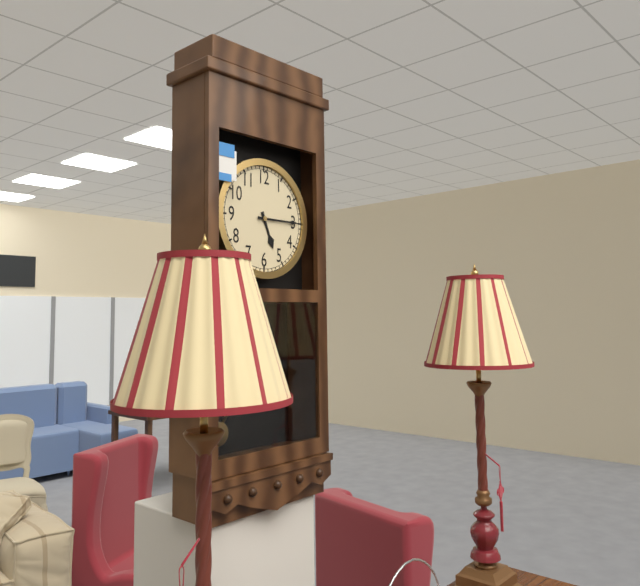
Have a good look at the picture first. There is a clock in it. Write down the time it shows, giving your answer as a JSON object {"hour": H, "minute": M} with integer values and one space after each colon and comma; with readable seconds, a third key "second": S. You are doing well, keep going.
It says {"hour": 5, "minute": 15}
